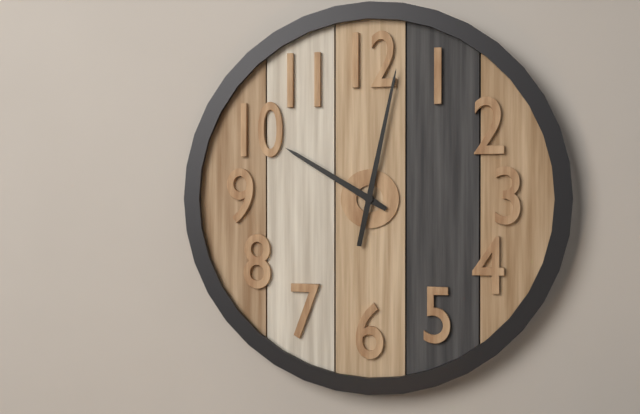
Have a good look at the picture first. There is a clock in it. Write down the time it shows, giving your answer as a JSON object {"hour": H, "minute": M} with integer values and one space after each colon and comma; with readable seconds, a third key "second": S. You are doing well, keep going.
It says {"hour": 10, "minute": 2}
